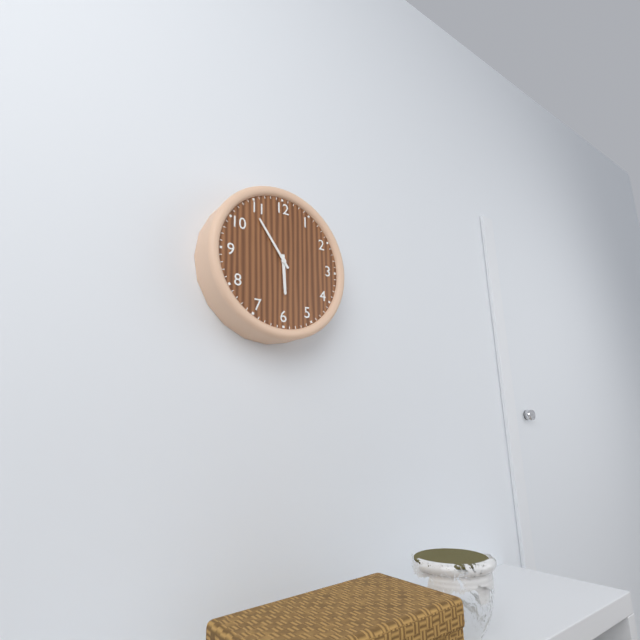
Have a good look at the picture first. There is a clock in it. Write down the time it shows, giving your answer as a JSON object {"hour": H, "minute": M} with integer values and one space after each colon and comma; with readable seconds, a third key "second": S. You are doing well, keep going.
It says {"hour": 5, "minute": 54}
